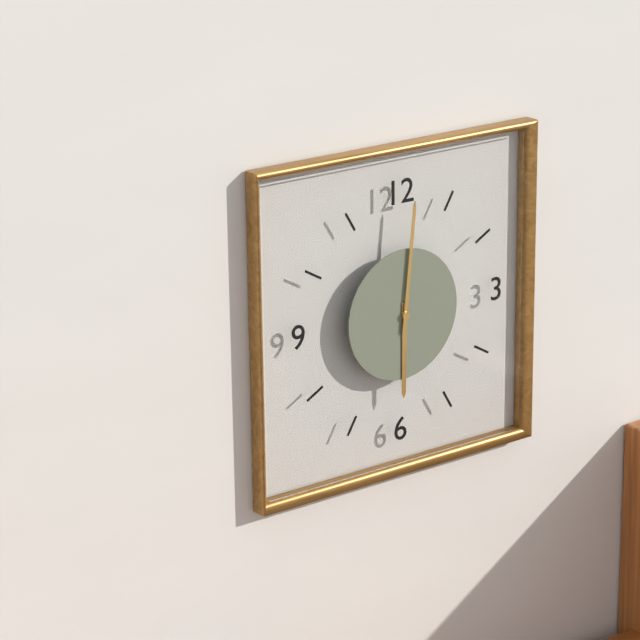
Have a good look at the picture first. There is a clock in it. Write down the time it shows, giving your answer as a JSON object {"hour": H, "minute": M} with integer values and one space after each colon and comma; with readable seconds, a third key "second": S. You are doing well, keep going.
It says {"hour": 6, "minute": 1}
